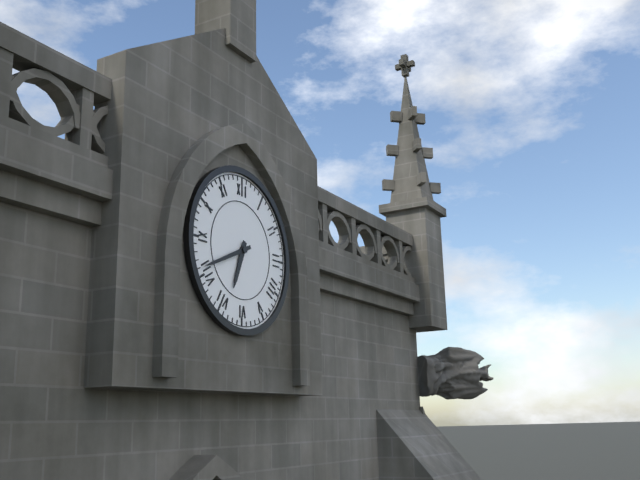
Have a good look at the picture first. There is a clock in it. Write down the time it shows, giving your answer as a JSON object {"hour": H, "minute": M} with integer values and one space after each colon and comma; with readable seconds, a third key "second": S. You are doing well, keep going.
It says {"hour": 6, "minute": 41}
